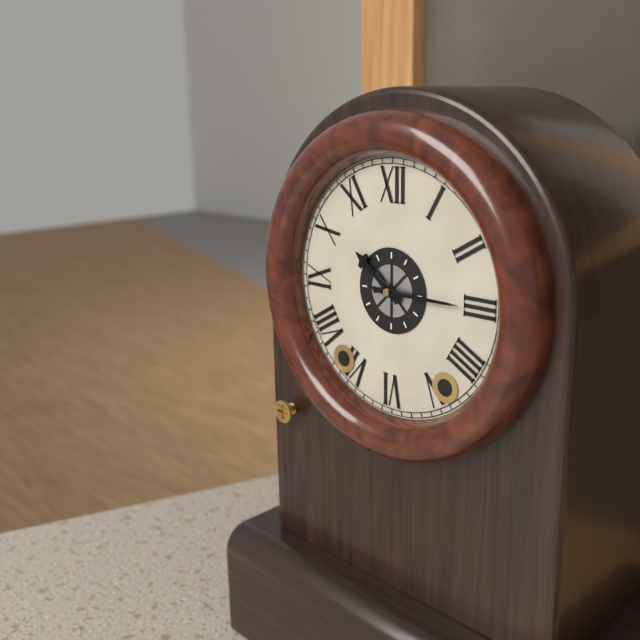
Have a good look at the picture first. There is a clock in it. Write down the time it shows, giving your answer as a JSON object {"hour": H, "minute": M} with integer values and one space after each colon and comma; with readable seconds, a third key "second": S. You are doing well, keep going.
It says {"hour": 10, "minute": 15}
